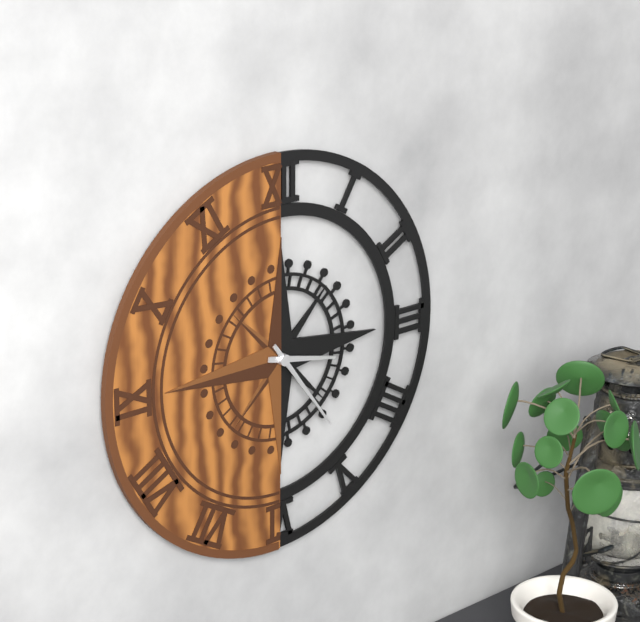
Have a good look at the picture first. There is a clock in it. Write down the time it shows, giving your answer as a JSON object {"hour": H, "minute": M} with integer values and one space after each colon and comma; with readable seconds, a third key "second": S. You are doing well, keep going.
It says {"hour": 3, "minute": 24}
